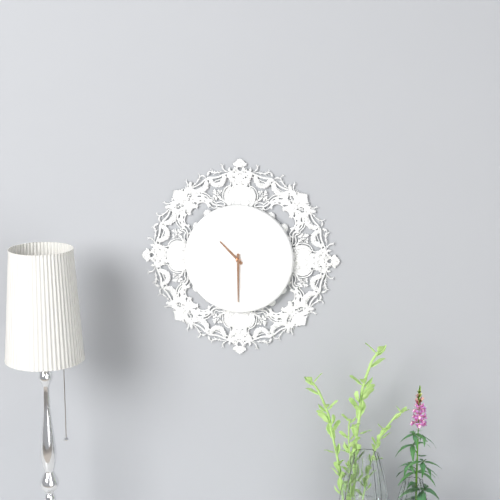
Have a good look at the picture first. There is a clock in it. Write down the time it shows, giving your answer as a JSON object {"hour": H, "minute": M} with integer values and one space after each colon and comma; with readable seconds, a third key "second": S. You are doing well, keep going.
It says {"hour": 10, "minute": 30}
